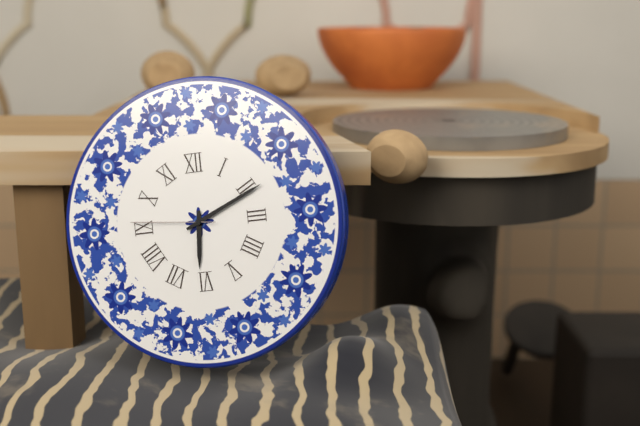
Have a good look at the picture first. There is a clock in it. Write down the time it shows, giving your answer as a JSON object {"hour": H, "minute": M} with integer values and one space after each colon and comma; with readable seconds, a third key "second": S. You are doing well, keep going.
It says {"hour": 6, "minute": 11, "second": 46}
